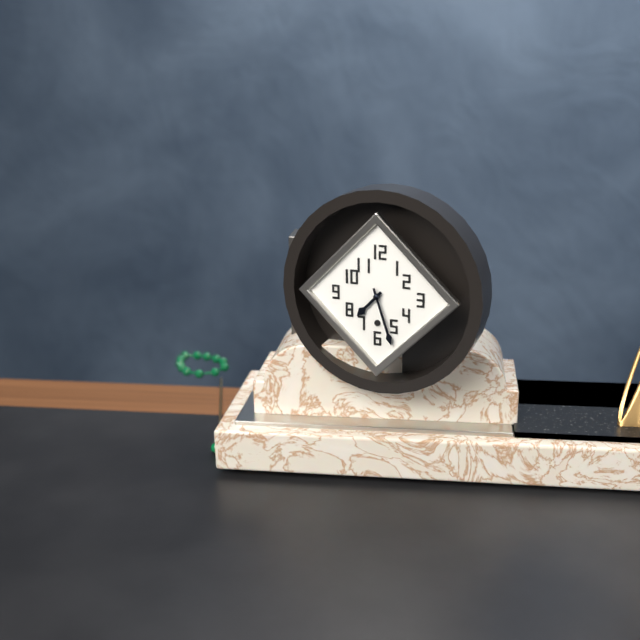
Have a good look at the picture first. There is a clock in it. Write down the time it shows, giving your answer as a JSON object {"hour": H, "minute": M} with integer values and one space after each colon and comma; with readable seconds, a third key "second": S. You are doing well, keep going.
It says {"hour": 7, "minute": 27}
